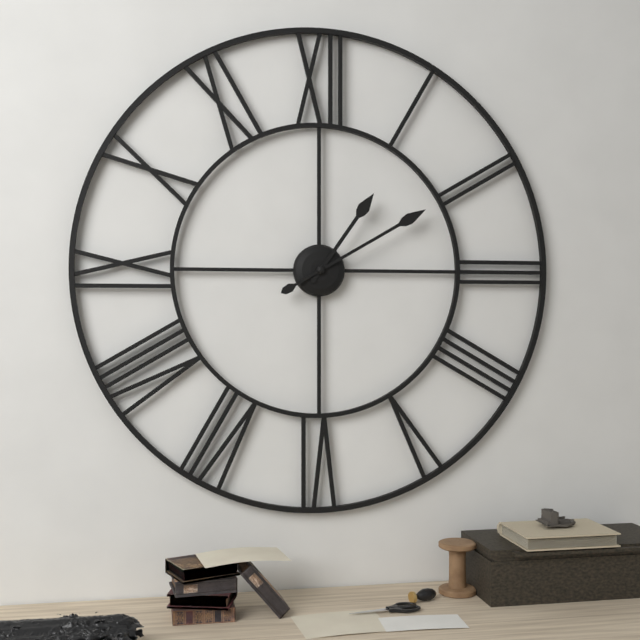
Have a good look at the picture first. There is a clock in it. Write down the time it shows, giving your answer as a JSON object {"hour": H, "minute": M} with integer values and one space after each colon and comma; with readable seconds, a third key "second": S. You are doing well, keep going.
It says {"hour": 1, "minute": 10}
